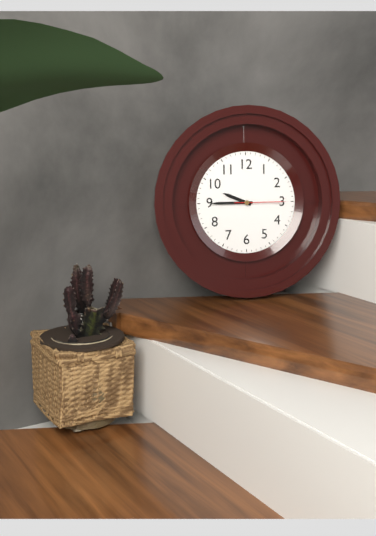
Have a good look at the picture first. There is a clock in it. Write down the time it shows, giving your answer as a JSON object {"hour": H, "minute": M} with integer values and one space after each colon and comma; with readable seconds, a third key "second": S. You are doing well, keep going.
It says {"hour": 9, "minute": 45, "second": 15}
